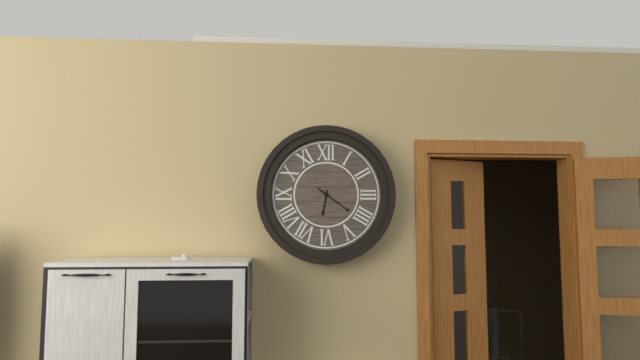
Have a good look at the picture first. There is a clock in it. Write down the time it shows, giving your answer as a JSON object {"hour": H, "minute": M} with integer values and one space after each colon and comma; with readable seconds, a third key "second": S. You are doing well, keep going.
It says {"hour": 6, "minute": 21}
